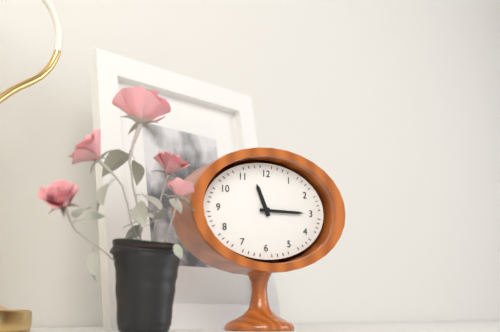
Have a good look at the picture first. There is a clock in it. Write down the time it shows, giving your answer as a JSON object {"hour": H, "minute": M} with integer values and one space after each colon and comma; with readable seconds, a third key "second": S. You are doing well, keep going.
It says {"hour": 11, "minute": 15}
